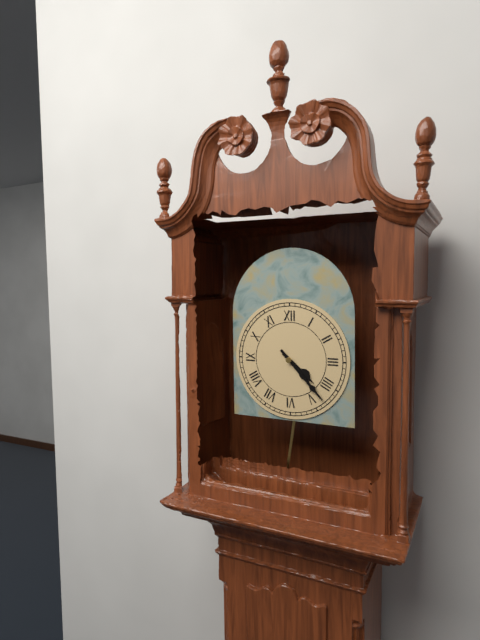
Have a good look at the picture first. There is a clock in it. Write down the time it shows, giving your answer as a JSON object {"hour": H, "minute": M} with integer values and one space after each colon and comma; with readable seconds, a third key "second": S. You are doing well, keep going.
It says {"hour": 4, "minute": 23}
